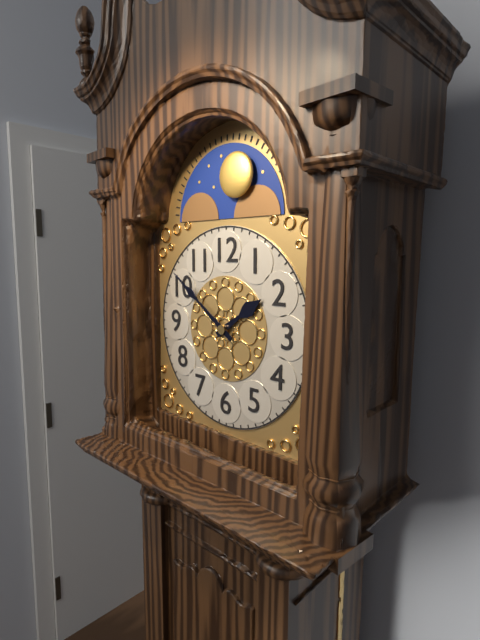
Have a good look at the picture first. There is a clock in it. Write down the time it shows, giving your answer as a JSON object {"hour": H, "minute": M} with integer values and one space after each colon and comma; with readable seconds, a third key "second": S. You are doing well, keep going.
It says {"hour": 1, "minute": 51}
